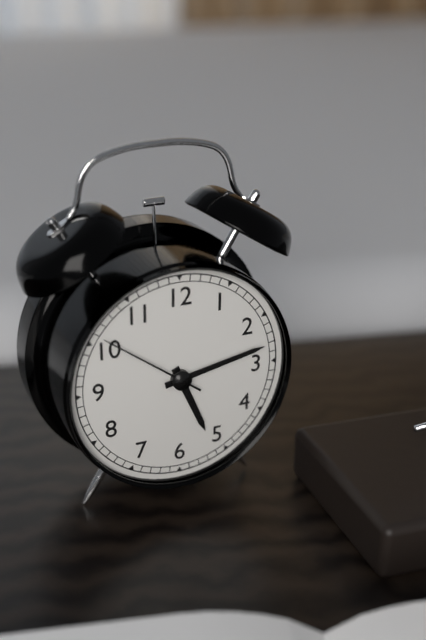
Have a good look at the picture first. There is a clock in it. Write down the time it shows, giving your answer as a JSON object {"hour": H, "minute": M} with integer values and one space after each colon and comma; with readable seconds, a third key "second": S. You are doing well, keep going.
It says {"hour": 5, "minute": 13, "second": 51}
